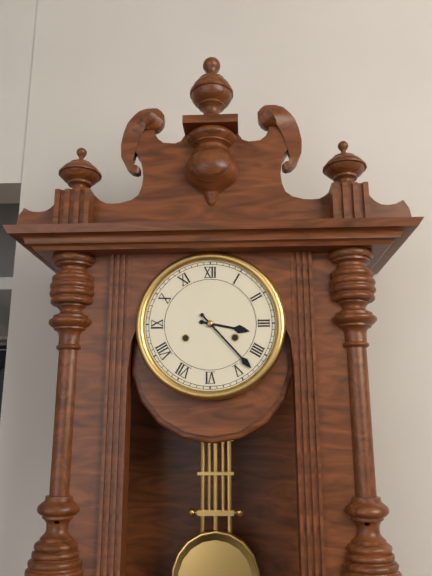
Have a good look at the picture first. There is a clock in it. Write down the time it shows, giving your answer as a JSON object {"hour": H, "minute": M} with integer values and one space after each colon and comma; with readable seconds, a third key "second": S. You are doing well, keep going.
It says {"hour": 3, "minute": 23}
